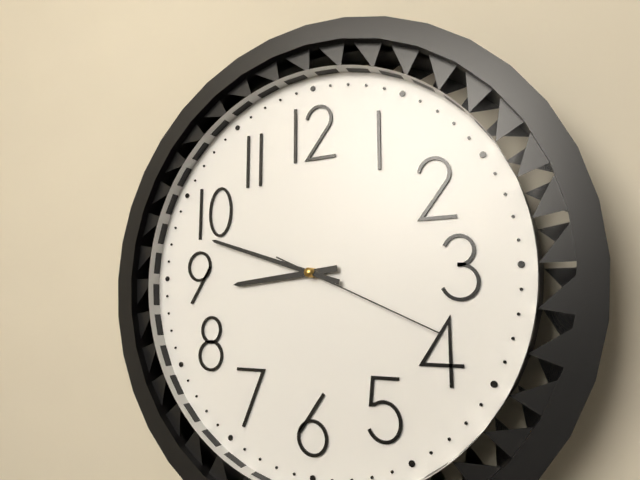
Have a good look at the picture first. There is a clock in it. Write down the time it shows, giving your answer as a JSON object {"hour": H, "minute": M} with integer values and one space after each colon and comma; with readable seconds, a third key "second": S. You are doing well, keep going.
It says {"hour": 8, "minute": 48, "second": 19}
